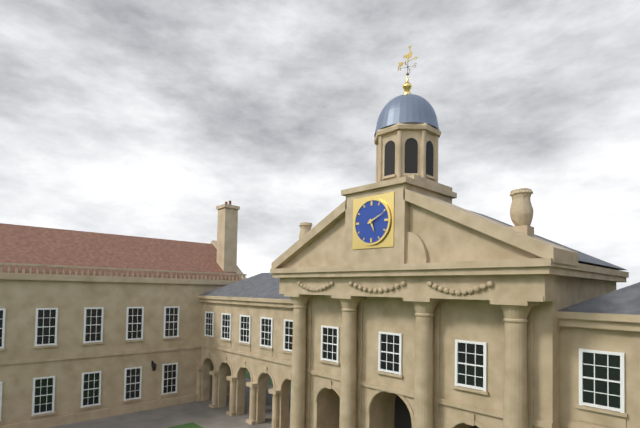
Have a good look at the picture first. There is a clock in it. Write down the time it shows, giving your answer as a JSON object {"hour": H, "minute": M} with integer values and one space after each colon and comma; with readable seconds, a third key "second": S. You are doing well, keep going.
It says {"hour": 5, "minute": 11}
